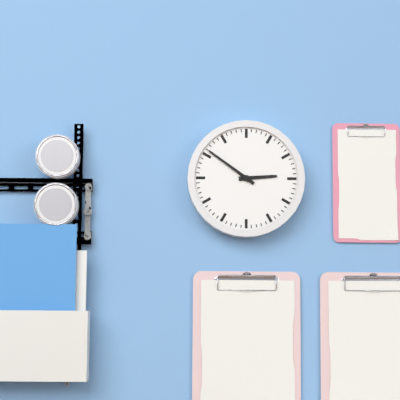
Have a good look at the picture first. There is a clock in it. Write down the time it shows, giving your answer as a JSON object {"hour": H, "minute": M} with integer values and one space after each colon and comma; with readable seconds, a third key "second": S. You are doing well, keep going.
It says {"hour": 2, "minute": 51}
